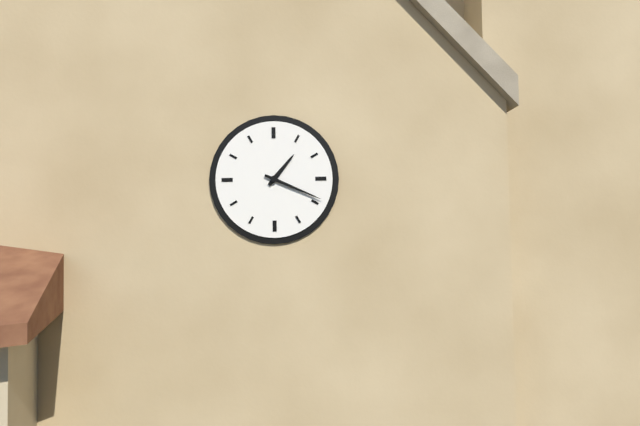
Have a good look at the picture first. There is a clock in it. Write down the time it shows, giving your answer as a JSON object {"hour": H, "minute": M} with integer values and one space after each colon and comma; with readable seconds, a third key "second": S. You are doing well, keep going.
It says {"hour": 1, "minute": 19}
